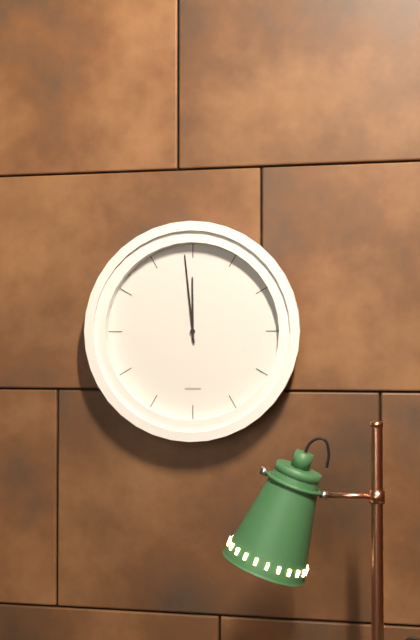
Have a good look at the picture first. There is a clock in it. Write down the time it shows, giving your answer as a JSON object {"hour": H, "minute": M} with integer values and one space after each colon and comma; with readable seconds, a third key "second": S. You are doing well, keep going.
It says {"hour": 11, "minute": 59}
